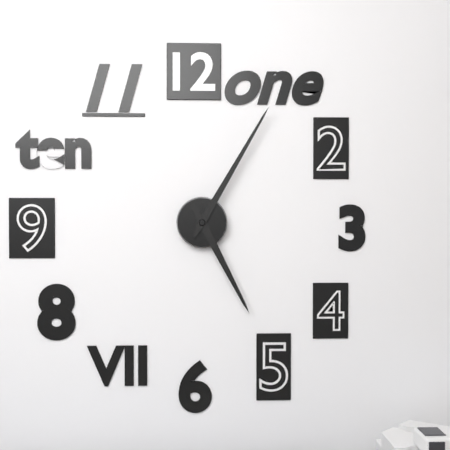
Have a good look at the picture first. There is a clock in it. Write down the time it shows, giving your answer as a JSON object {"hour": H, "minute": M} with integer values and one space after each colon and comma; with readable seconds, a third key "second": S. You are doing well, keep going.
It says {"hour": 5, "minute": 5}
